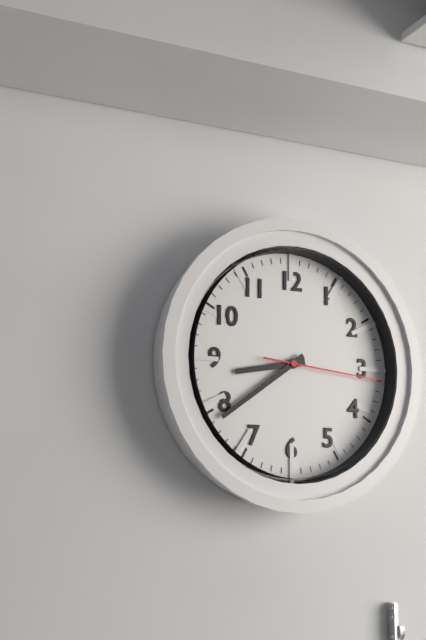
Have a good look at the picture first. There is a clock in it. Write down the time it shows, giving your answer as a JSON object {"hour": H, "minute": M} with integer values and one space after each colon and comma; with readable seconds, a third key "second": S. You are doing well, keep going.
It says {"hour": 8, "minute": 39, "second": 16}
